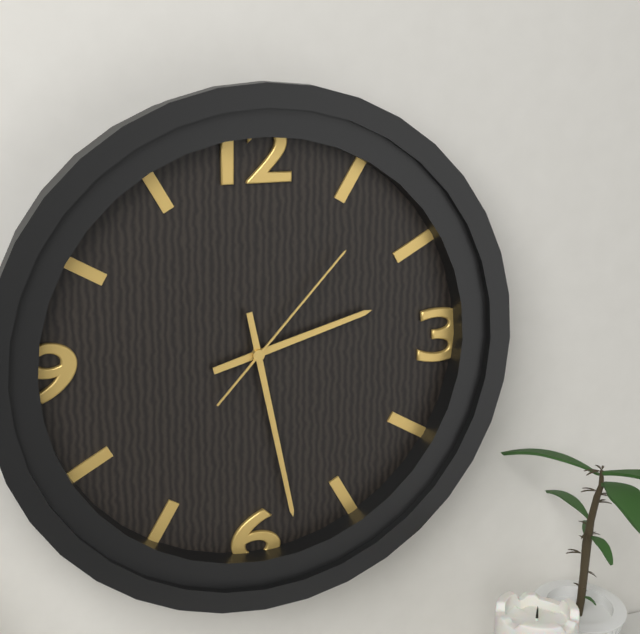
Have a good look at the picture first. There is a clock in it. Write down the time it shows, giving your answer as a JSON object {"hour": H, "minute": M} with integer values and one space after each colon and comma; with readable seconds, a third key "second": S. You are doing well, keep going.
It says {"hour": 2, "minute": 28, "second": 7}
